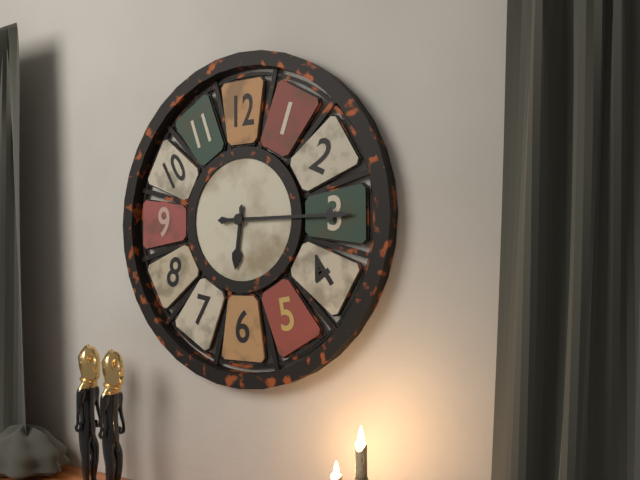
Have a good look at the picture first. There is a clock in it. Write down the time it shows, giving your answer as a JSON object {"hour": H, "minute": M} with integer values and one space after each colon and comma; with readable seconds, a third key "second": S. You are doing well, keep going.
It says {"hour": 6, "minute": 15}
